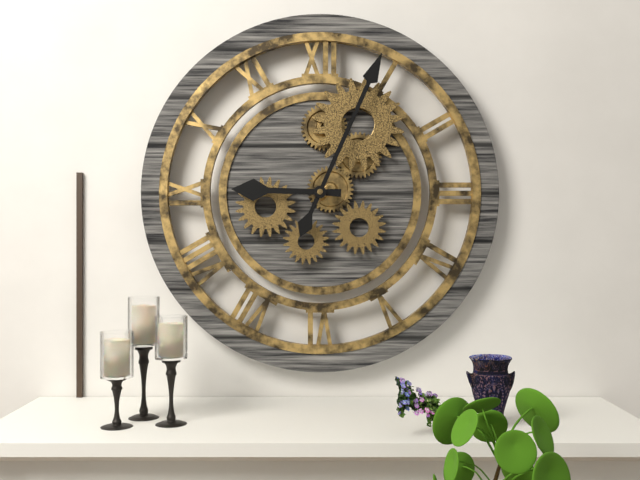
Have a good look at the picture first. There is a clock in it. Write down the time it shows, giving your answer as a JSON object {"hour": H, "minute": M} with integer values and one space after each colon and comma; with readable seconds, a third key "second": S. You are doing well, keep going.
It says {"hour": 9, "minute": 4}
